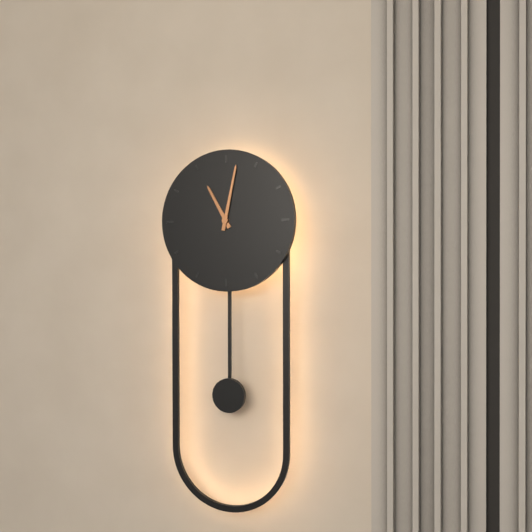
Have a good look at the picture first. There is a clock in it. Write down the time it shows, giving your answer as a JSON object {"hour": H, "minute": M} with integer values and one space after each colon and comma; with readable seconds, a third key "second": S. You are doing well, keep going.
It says {"hour": 11, "minute": 2}
